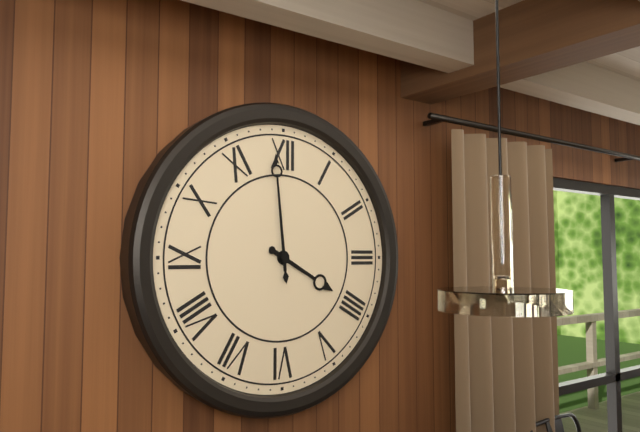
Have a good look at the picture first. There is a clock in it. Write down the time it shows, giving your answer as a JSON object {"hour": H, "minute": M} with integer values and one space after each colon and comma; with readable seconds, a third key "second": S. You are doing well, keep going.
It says {"hour": 3, "minute": 59}
